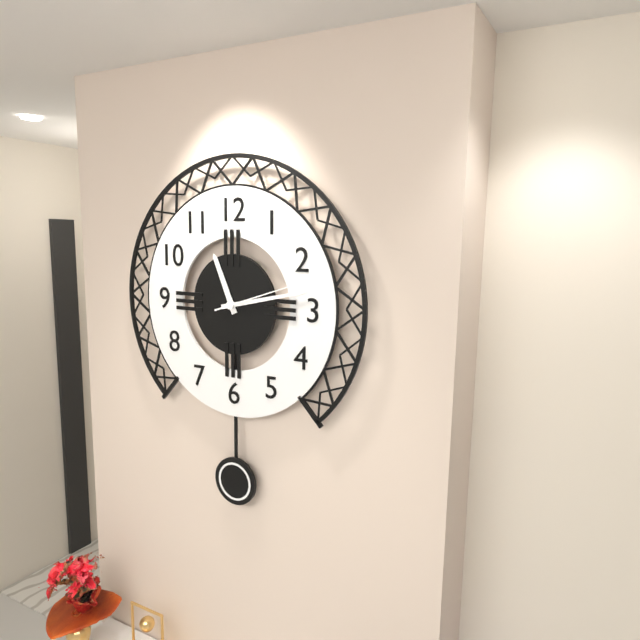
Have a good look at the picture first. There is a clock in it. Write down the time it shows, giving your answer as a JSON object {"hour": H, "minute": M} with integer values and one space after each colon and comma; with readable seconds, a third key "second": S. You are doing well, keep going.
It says {"hour": 11, "minute": 13, "second": 12}
